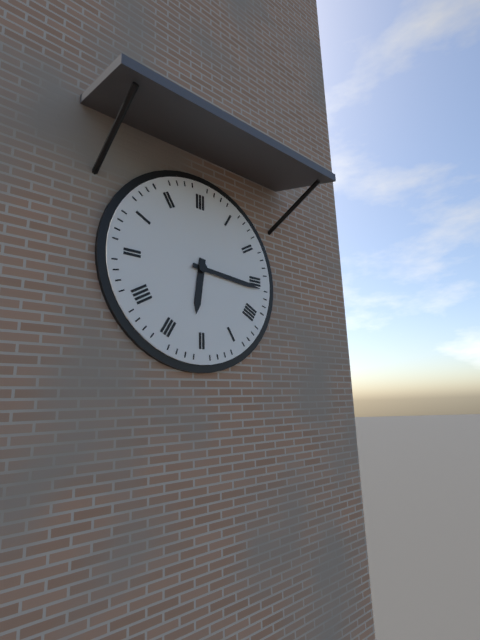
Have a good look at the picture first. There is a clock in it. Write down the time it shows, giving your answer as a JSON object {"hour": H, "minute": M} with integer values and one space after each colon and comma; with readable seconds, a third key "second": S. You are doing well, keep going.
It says {"hour": 6, "minute": 16}
